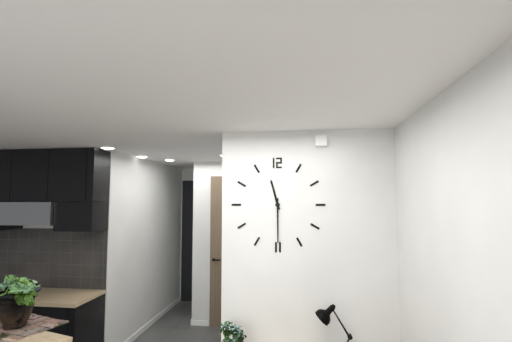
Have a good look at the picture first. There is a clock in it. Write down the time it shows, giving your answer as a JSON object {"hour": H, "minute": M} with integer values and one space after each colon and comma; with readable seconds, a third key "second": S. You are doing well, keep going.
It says {"hour": 11, "minute": 30}
